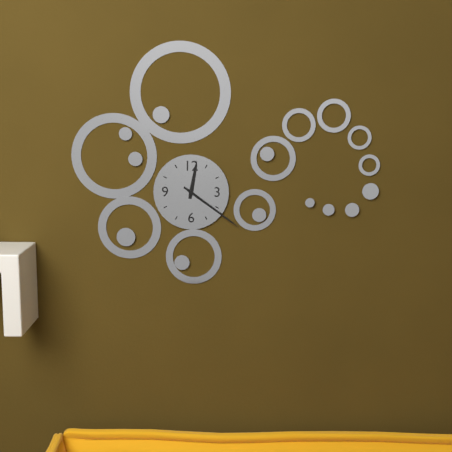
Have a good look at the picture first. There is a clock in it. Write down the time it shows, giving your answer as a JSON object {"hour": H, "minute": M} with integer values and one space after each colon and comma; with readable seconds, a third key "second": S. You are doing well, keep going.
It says {"hour": 12, "minute": 21}
